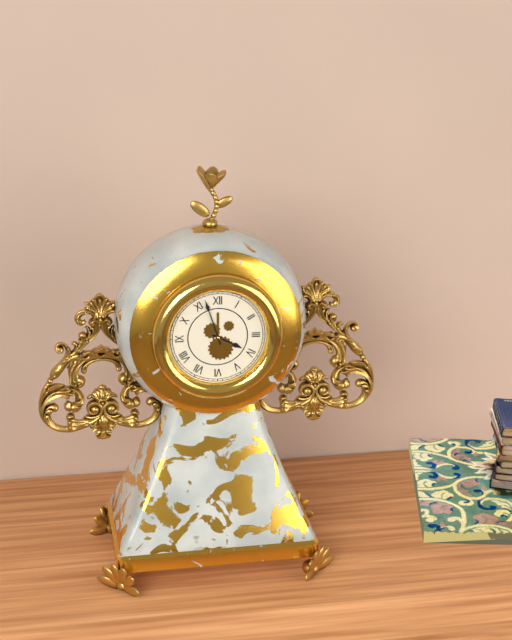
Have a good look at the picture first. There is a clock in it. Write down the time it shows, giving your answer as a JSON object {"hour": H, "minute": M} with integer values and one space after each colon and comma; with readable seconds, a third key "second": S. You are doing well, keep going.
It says {"hour": 3, "minute": 57}
